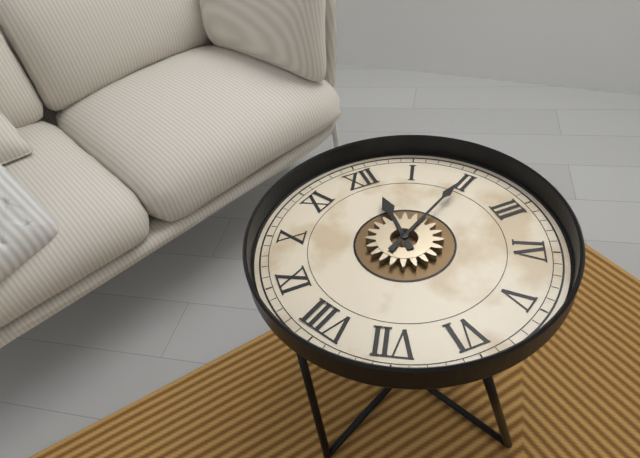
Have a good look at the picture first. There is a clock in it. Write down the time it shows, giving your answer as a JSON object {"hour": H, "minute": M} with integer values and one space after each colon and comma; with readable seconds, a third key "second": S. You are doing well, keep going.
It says {"hour": 12, "minute": 10}
